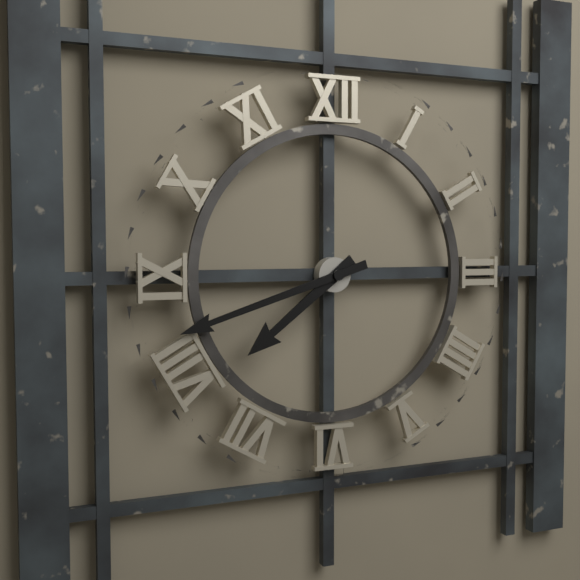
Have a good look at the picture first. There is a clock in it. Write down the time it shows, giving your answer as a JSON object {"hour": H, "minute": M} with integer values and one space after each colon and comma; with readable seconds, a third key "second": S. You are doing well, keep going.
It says {"hour": 7, "minute": 42}
